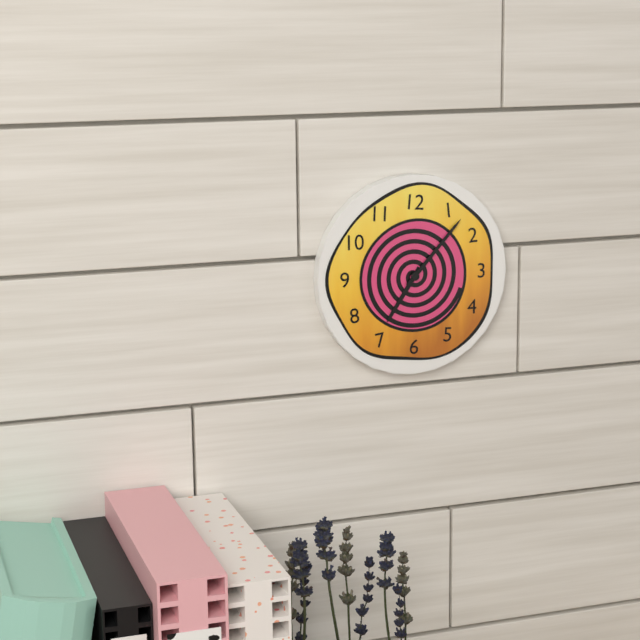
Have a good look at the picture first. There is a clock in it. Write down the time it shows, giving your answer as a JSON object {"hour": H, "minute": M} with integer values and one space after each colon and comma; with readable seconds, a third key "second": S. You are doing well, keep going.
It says {"hour": 7, "minute": 7}
